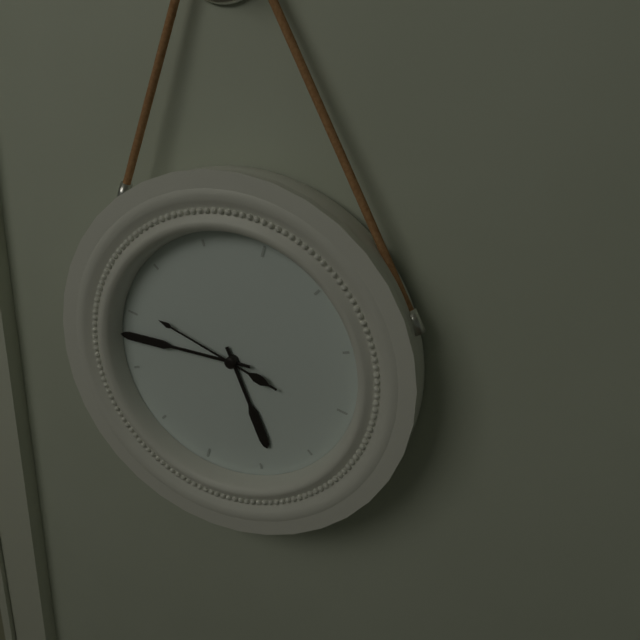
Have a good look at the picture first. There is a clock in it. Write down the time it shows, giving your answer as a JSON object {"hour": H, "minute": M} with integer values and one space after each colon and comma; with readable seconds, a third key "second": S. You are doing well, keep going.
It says {"hour": 4, "minute": 43, "second": 46}
